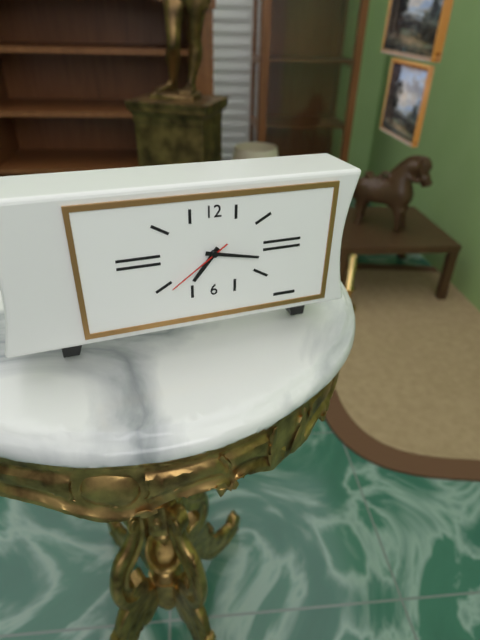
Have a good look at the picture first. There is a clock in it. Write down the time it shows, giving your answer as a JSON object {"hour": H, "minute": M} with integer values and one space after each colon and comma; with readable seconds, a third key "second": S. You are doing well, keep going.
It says {"hour": 7, "minute": 17, "second": 39}
